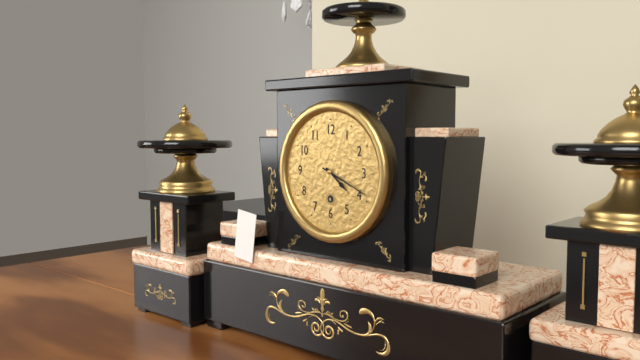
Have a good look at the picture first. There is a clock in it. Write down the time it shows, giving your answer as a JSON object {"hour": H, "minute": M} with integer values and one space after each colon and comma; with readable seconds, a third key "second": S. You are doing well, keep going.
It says {"hour": 4, "minute": 19}
